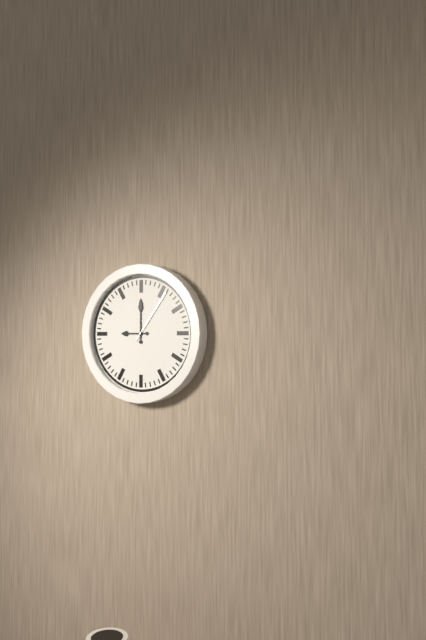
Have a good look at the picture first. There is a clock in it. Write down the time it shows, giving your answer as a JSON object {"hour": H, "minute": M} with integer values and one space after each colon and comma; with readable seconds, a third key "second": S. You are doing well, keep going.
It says {"hour": 9, "minute": 0, "second": 6}
